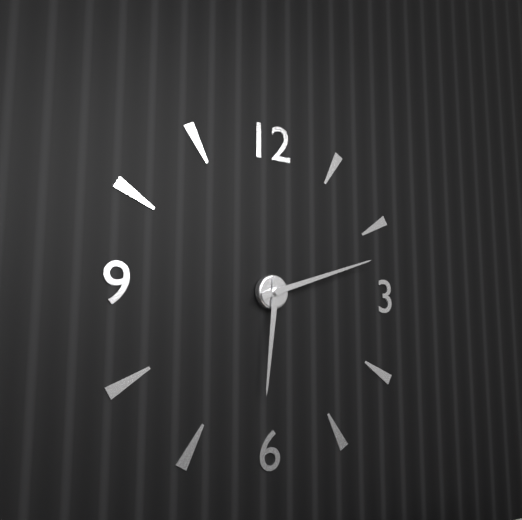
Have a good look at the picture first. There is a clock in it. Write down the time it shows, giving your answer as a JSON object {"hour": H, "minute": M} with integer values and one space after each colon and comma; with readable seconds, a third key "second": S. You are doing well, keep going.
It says {"hour": 6, "minute": 12}
